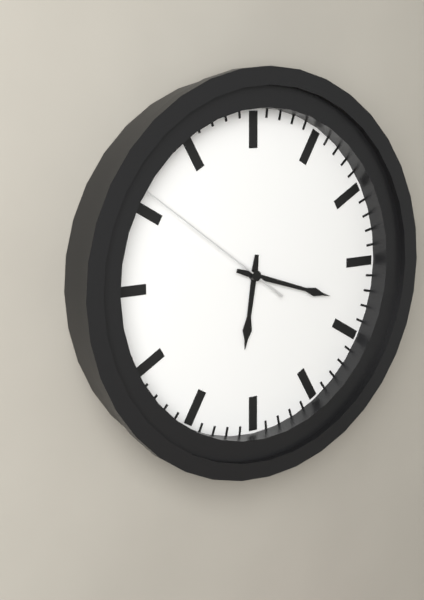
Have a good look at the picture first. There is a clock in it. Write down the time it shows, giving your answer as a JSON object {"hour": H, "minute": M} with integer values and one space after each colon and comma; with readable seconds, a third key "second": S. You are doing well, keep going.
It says {"hour": 6, "minute": 18, "second": 51}
